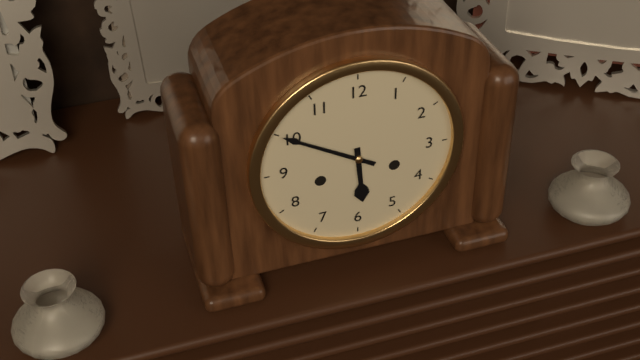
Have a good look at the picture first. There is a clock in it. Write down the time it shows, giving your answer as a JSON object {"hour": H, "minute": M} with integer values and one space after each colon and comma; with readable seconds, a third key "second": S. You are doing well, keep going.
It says {"hour": 5, "minute": 50}
